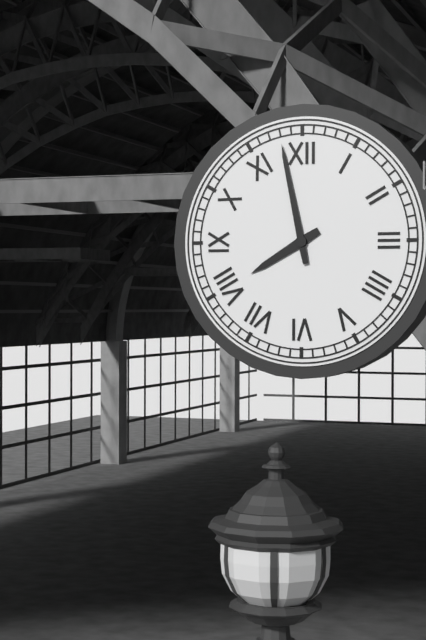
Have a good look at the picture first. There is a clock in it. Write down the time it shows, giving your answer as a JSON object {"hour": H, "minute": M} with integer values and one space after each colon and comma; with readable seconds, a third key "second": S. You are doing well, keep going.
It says {"hour": 7, "minute": 58}
